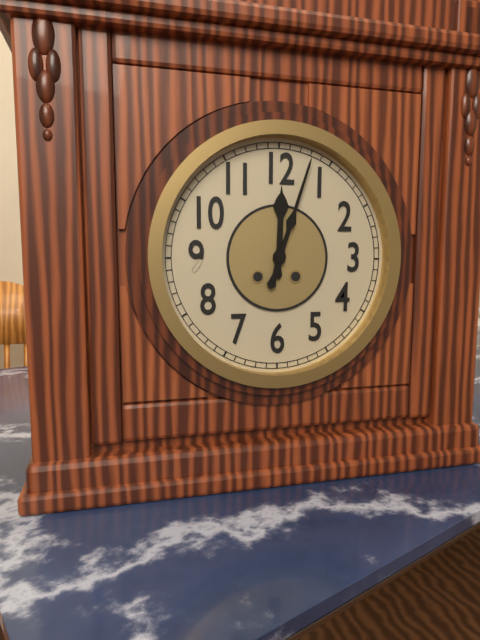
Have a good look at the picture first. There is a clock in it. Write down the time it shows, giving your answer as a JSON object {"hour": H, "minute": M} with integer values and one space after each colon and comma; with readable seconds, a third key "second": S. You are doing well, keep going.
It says {"hour": 12, "minute": 3}
